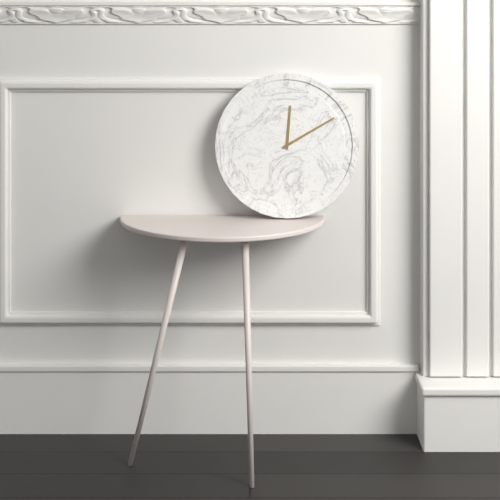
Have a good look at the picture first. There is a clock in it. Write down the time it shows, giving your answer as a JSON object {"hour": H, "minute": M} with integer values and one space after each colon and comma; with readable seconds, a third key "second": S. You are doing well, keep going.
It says {"hour": 12, "minute": 10}
